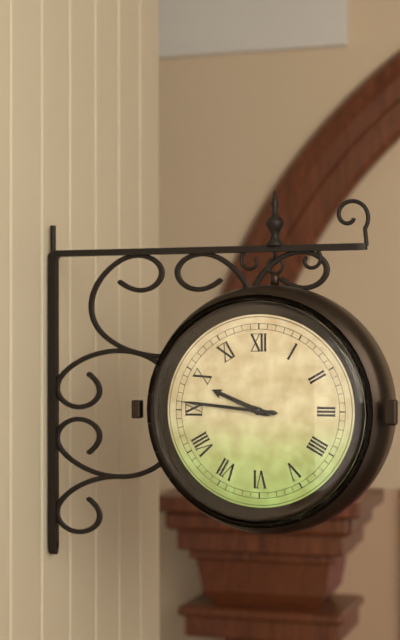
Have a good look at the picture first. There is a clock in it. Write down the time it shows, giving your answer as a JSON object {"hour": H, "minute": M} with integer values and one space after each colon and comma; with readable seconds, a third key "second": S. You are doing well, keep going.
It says {"hour": 9, "minute": 46}
